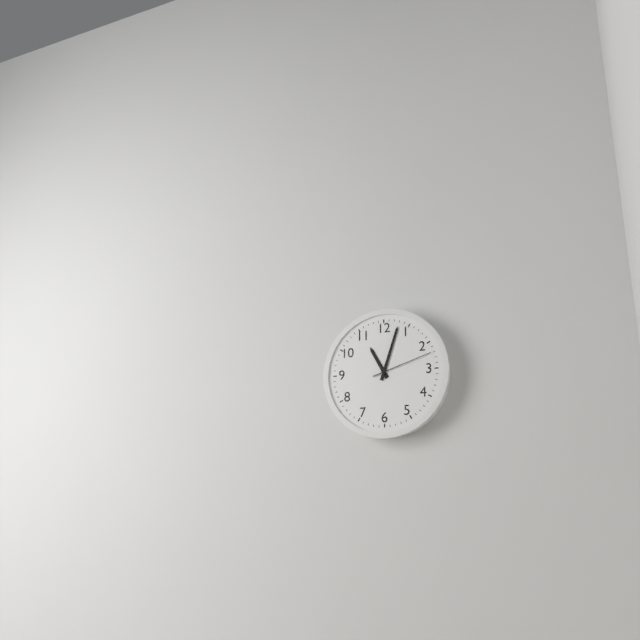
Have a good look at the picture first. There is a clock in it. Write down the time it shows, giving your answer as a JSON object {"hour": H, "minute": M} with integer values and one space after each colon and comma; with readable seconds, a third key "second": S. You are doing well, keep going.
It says {"hour": 11, "minute": 3, "second": 12}
